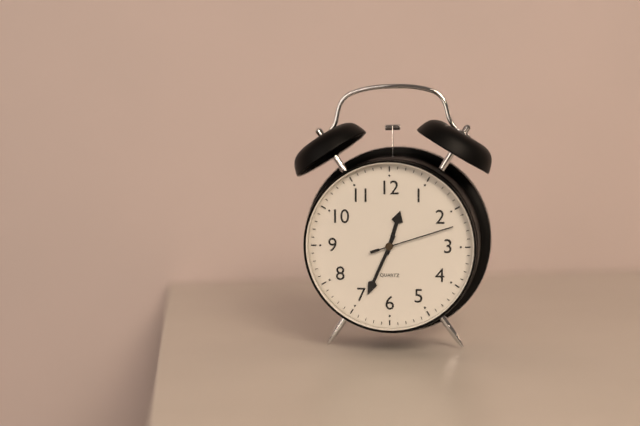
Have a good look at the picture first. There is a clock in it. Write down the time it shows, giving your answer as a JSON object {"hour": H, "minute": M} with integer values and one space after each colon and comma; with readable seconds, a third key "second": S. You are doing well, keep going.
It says {"hour": 12, "minute": 34, "second": 12}
